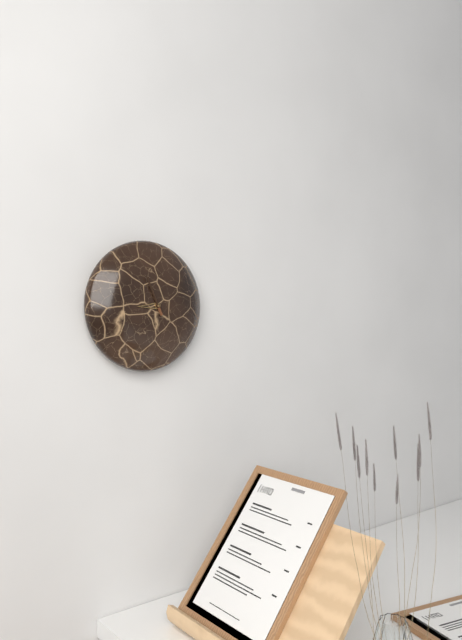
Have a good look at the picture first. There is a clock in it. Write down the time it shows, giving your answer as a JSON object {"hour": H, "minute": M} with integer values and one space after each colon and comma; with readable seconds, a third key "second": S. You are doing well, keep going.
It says {"hour": 8, "minute": 56}
